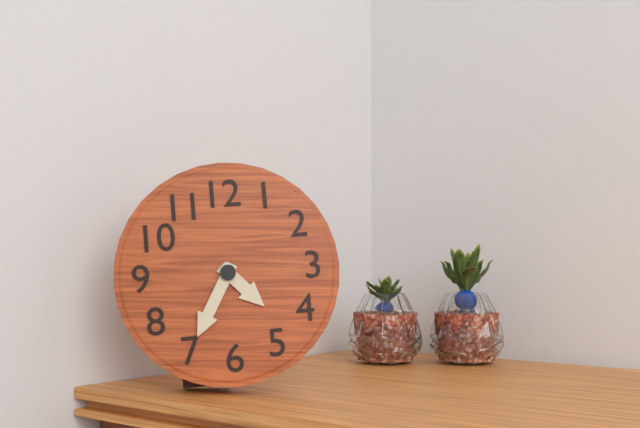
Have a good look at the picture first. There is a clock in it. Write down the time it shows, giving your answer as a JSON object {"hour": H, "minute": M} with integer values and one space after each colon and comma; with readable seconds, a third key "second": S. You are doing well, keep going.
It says {"hour": 4, "minute": 35}
